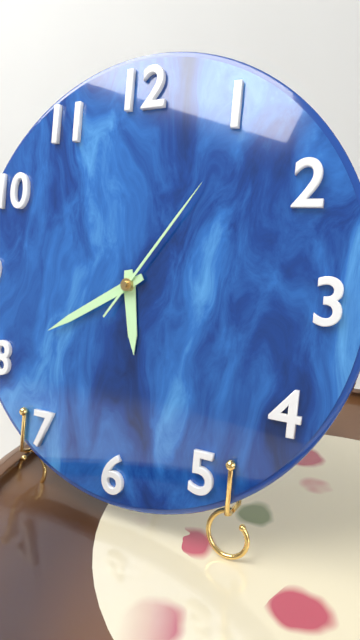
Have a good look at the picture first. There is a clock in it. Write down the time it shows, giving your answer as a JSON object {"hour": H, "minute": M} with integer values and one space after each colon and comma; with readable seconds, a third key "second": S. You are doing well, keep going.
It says {"hour": 5, "minute": 40, "second": 6}
